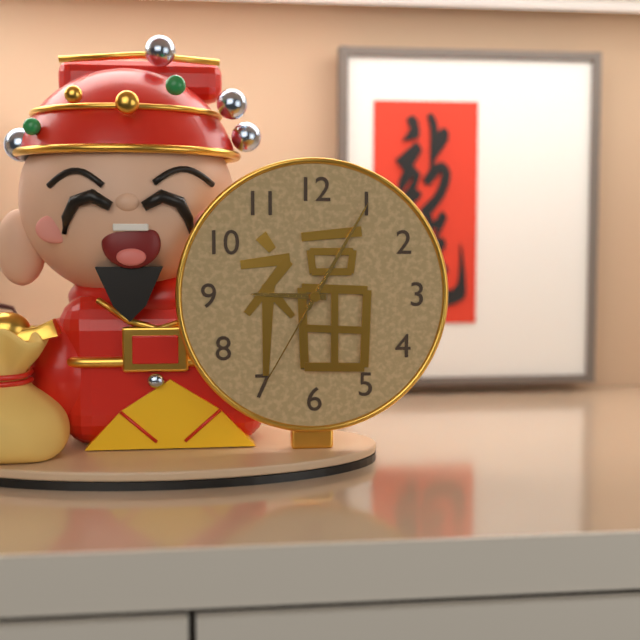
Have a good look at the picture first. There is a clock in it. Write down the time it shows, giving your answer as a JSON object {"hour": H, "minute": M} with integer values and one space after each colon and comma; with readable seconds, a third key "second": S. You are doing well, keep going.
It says {"hour": 9, "minute": 5, "second": 35}
